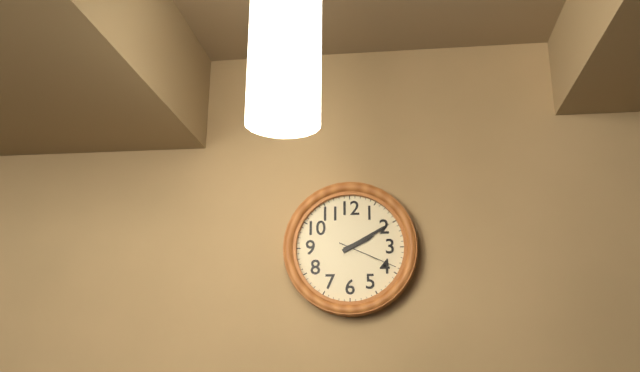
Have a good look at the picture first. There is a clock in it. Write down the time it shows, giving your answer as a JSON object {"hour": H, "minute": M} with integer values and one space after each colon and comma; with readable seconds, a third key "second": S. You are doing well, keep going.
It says {"hour": 2, "minute": 10, "second": 19}
